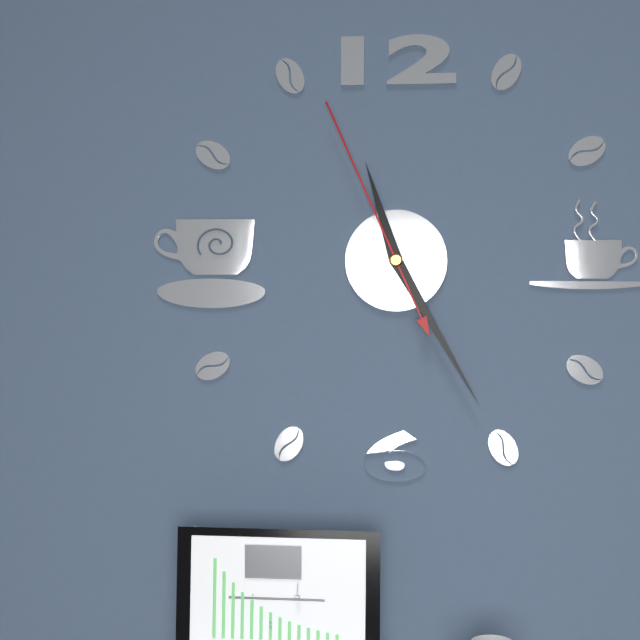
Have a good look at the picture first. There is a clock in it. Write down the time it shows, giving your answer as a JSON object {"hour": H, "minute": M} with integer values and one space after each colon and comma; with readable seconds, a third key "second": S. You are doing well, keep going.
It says {"hour": 11, "minute": 25, "second": 56}
